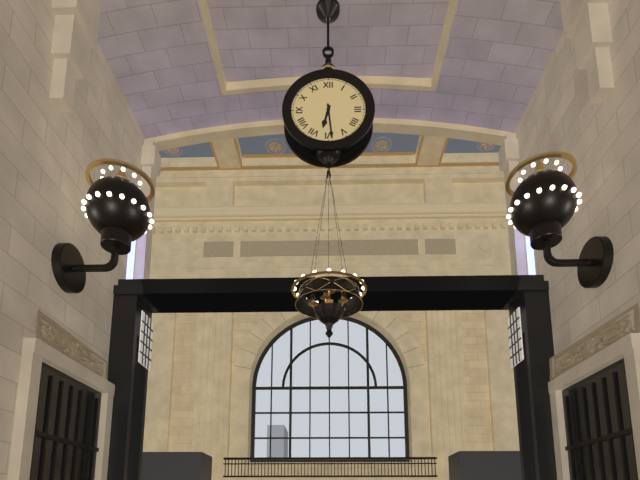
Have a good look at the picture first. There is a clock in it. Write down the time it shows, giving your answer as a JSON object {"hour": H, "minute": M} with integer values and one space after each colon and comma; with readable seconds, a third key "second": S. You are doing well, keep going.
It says {"hour": 6, "minute": 29}
